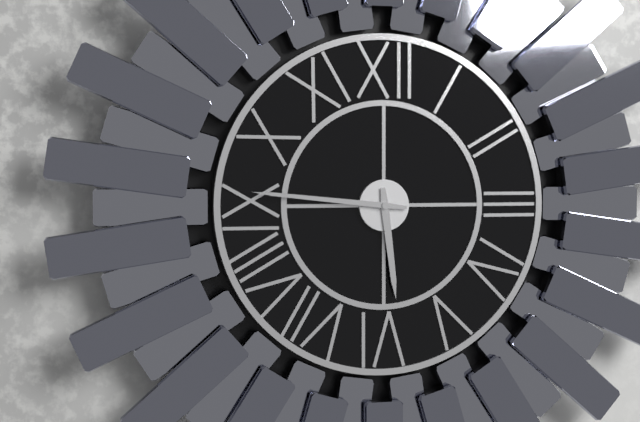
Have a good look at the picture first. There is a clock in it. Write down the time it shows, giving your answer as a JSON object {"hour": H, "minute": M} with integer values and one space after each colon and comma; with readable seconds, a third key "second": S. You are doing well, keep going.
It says {"hour": 5, "minute": 46}
